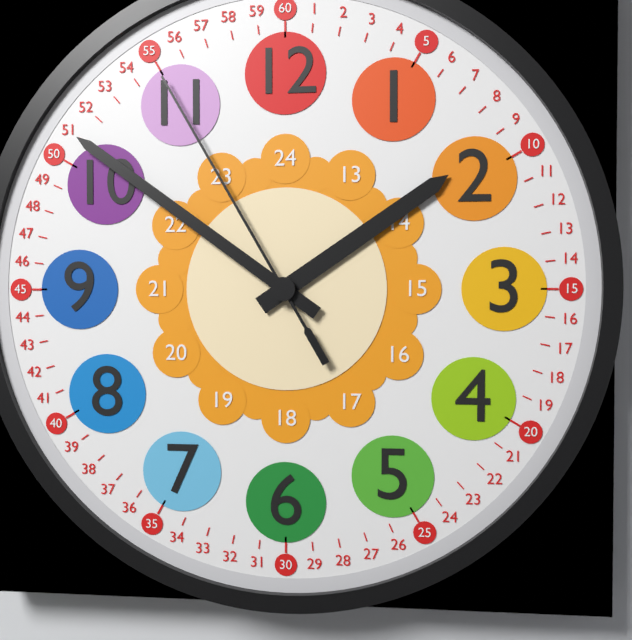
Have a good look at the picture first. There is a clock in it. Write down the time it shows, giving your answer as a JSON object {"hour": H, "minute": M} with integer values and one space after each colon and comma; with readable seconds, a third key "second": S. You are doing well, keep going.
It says {"hour": 1, "minute": 51, "second": 55}
